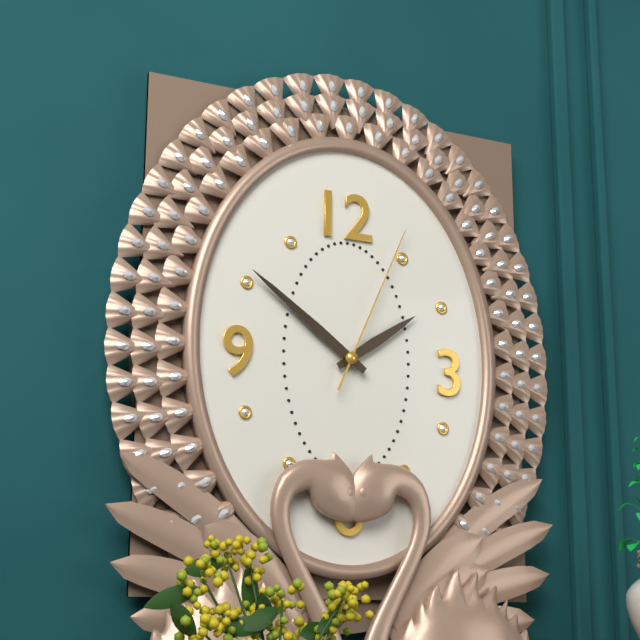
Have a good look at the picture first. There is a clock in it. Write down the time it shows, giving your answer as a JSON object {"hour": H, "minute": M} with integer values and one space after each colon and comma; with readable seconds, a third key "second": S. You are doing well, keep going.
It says {"hour": 1, "minute": 51, "second": 4}
